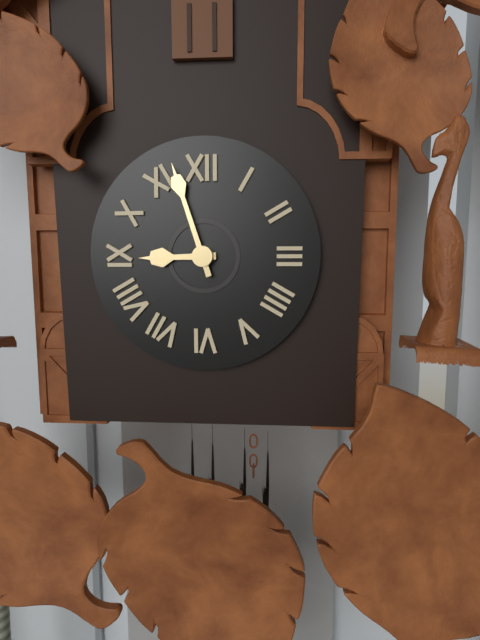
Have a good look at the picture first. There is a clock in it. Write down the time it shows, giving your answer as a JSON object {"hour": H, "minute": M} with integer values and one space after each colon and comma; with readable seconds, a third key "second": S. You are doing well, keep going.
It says {"hour": 8, "minute": 57}
